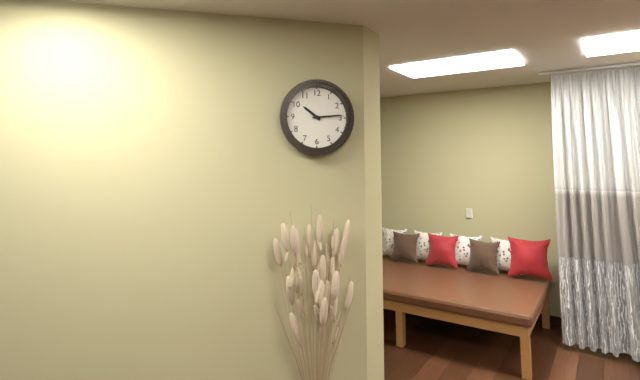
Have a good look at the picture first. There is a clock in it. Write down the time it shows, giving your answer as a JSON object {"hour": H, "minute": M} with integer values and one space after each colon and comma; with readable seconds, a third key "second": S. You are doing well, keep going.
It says {"hour": 10, "minute": 14}
